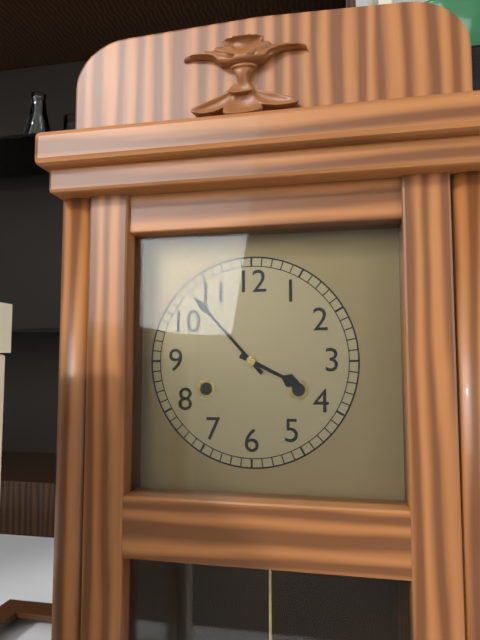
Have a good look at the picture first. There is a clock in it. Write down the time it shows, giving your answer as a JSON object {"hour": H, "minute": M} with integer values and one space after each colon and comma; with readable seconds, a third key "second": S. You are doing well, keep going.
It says {"hour": 3, "minute": 53}
